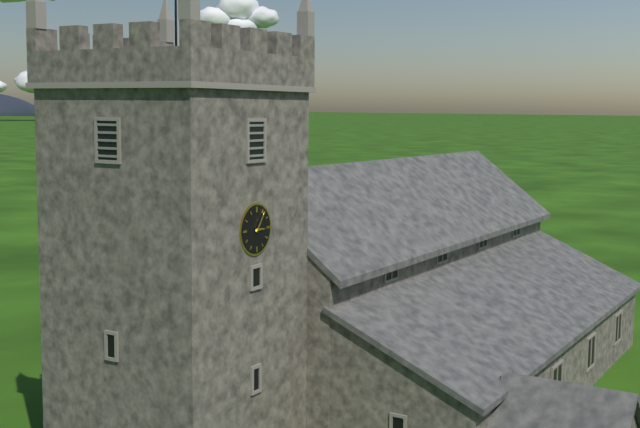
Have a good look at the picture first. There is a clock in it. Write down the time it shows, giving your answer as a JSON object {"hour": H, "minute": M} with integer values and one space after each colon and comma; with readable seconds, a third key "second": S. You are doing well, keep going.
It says {"hour": 3, "minute": 6}
